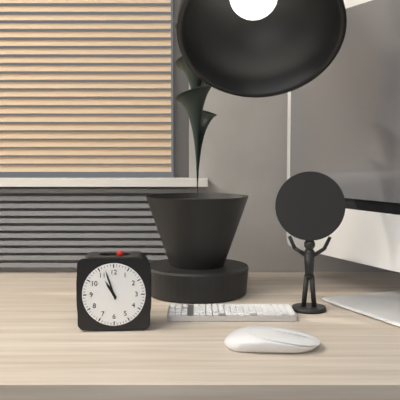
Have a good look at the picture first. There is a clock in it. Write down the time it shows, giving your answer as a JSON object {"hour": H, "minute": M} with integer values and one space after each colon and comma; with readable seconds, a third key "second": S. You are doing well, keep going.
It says {"hour": 10, "minute": 57}
